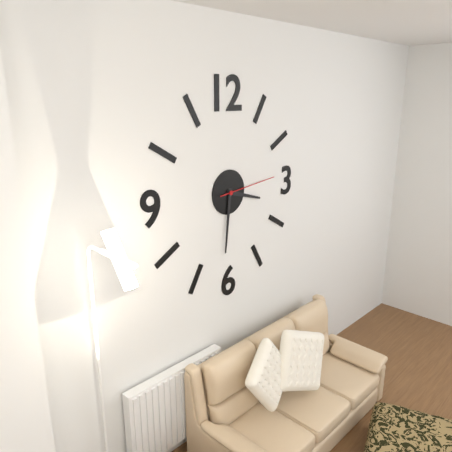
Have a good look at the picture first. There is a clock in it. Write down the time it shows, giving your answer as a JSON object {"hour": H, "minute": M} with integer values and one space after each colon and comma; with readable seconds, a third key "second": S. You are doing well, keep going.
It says {"hour": 3, "minute": 31, "second": 14}
